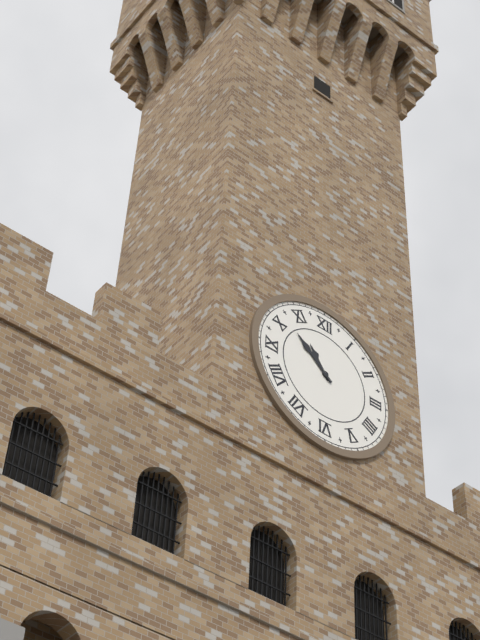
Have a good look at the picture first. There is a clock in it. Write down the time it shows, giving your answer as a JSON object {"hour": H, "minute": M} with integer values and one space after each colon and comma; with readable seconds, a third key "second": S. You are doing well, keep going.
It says {"hour": 10, "minute": 52}
